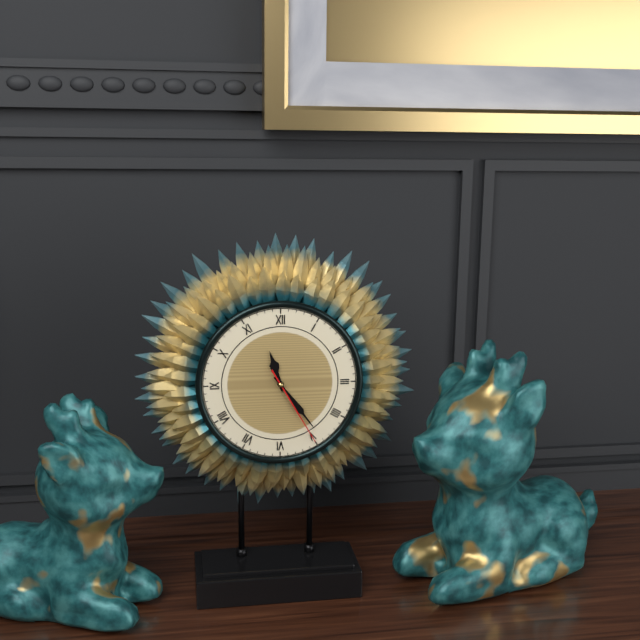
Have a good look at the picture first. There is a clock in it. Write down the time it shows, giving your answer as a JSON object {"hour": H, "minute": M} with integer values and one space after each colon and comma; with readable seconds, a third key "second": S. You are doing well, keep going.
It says {"hour": 11, "minute": 24, "second": 25}
